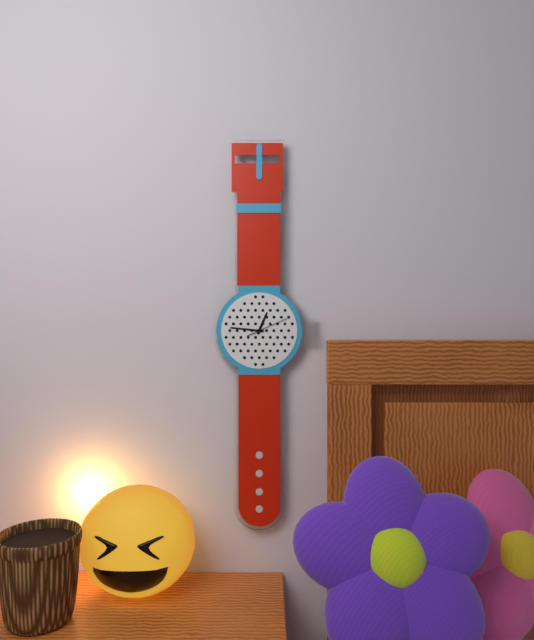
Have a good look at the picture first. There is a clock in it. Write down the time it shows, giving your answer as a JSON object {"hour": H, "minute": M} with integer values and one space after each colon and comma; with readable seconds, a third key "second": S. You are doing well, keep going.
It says {"hour": 12, "minute": 46}
